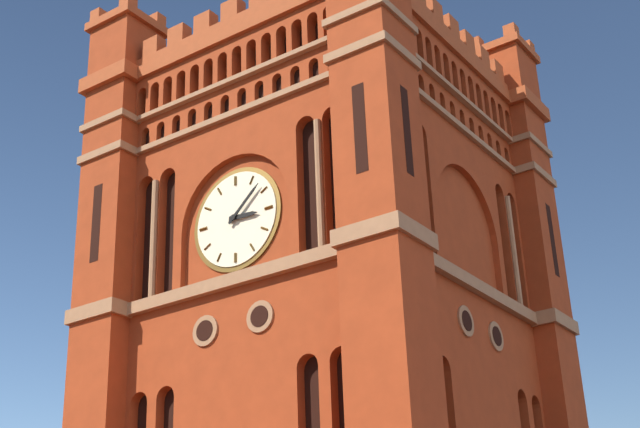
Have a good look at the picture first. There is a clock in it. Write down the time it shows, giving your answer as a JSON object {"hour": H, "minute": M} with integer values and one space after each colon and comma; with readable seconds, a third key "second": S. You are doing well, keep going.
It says {"hour": 3, "minute": 8}
